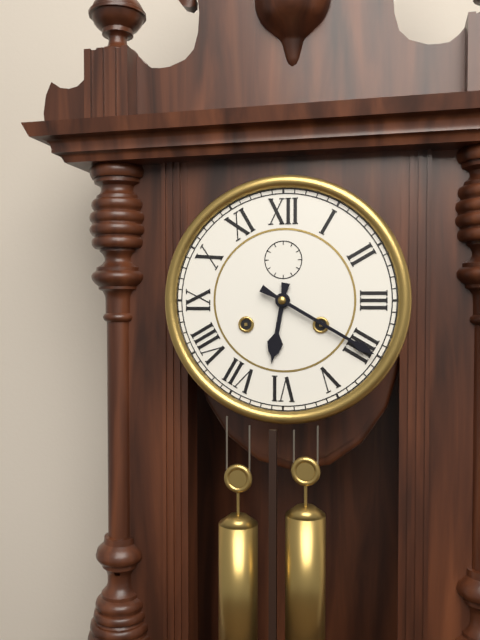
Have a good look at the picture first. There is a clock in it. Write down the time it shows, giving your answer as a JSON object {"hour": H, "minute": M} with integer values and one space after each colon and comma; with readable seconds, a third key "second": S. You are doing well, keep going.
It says {"hour": 6, "minute": 20}
